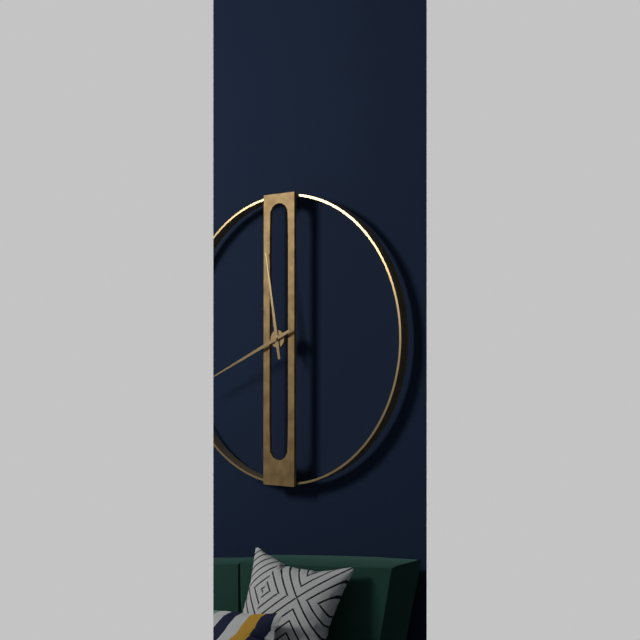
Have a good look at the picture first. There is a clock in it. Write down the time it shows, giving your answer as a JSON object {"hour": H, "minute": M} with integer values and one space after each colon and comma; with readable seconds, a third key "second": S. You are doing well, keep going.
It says {"hour": 11, "minute": 41}
